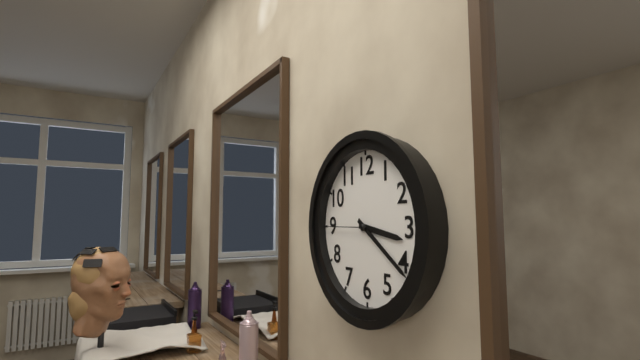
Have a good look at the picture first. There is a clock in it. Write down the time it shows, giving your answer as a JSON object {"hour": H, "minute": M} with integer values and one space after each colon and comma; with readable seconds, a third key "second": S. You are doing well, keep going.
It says {"hour": 3, "minute": 21}
